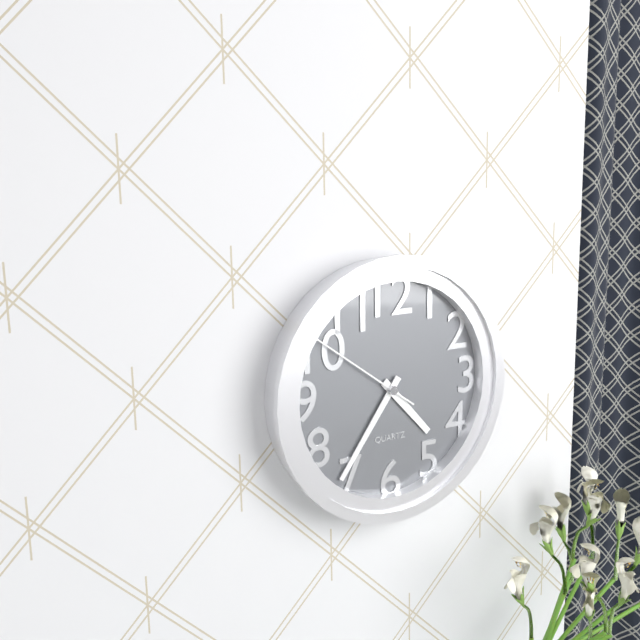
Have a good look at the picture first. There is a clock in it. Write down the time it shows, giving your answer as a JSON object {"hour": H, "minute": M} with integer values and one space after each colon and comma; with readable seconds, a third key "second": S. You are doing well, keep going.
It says {"hour": 4, "minute": 36, "second": 51}
